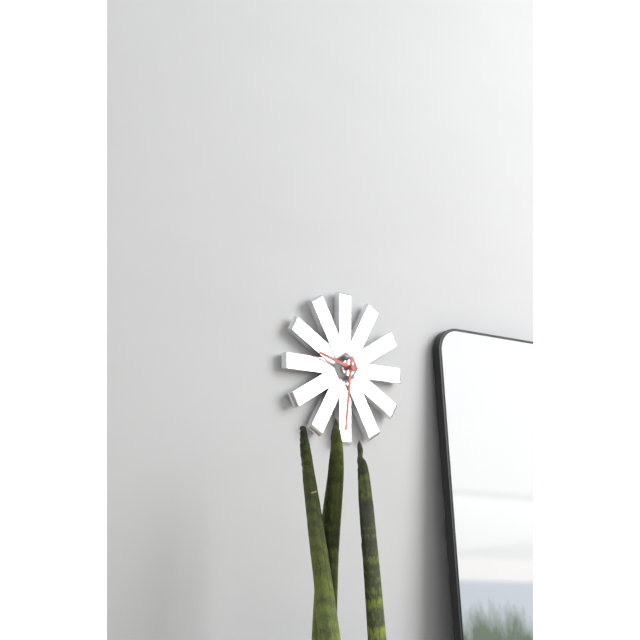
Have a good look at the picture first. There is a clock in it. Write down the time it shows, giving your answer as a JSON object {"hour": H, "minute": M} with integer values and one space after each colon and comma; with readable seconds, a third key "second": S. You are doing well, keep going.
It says {"hour": 9, "minute": 31}
